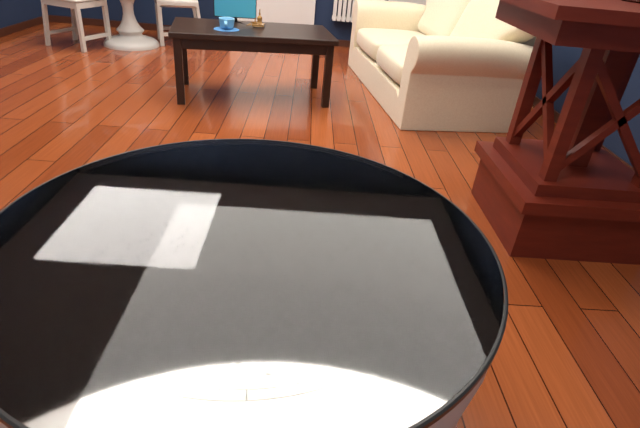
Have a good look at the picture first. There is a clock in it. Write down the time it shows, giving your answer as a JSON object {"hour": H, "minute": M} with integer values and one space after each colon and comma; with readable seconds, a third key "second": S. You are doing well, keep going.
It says {"hour": 3, "minute": 14}
